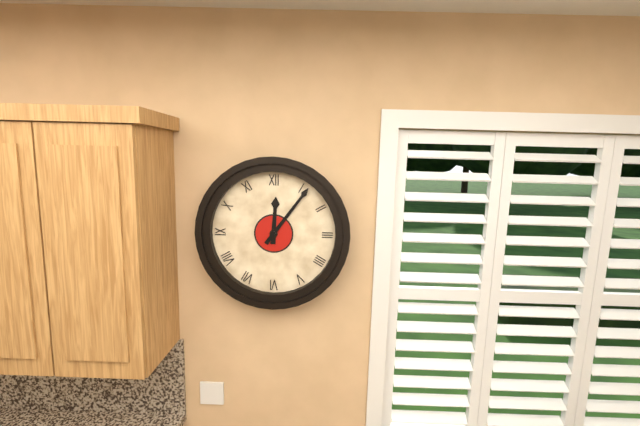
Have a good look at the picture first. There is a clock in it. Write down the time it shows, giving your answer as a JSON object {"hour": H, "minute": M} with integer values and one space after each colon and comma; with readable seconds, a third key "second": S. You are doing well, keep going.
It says {"hour": 12, "minute": 6}
